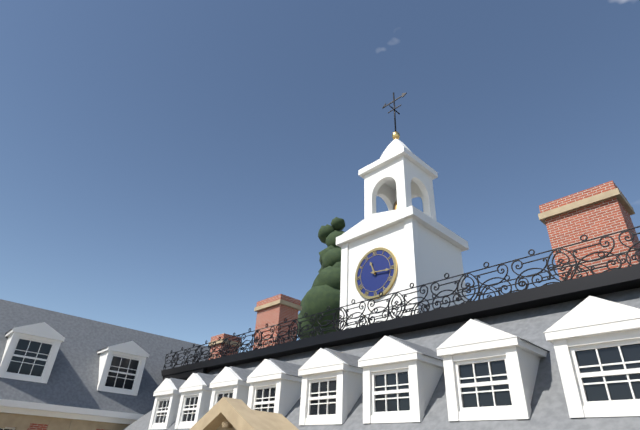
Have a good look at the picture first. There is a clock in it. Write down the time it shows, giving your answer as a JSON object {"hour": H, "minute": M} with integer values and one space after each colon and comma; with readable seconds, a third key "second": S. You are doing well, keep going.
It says {"hour": 11, "minute": 16}
